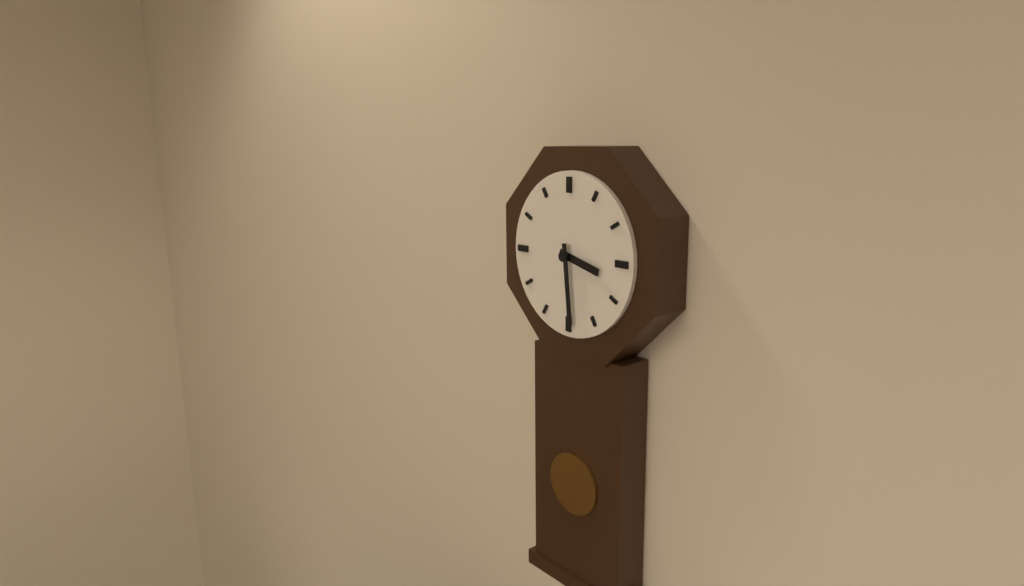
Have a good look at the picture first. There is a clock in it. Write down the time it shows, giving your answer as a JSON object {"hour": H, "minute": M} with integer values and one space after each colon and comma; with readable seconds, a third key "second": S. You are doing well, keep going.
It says {"hour": 3, "minute": 29}
